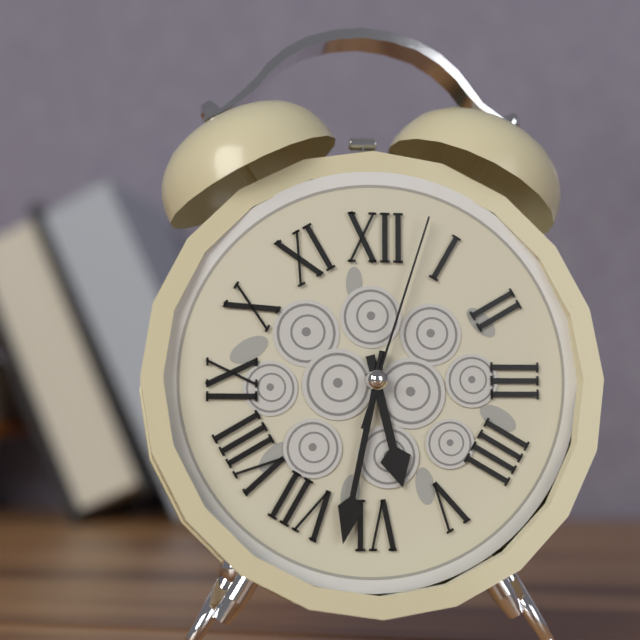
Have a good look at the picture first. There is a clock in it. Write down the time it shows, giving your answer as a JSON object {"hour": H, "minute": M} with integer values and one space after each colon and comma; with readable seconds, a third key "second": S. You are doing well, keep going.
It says {"hour": 5, "minute": 32, "second": 3}
